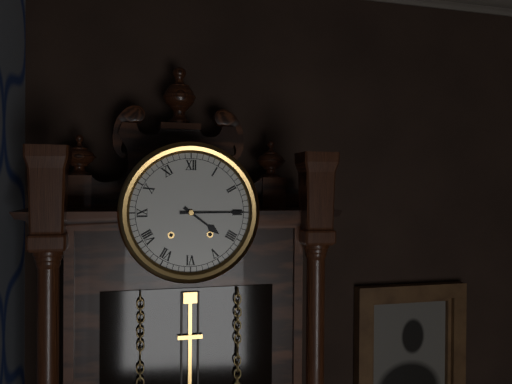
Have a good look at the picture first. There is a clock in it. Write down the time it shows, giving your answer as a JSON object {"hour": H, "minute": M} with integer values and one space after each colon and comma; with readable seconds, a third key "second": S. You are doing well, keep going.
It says {"hour": 4, "minute": 15}
